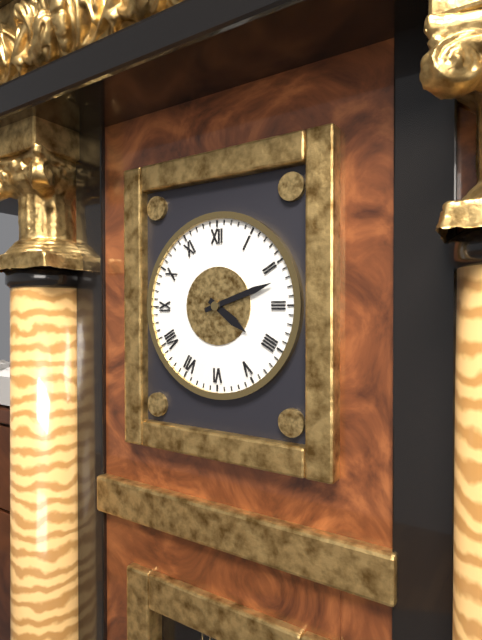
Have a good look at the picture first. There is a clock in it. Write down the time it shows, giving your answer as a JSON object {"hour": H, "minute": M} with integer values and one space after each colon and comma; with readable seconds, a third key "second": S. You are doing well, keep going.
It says {"hour": 4, "minute": 12}
